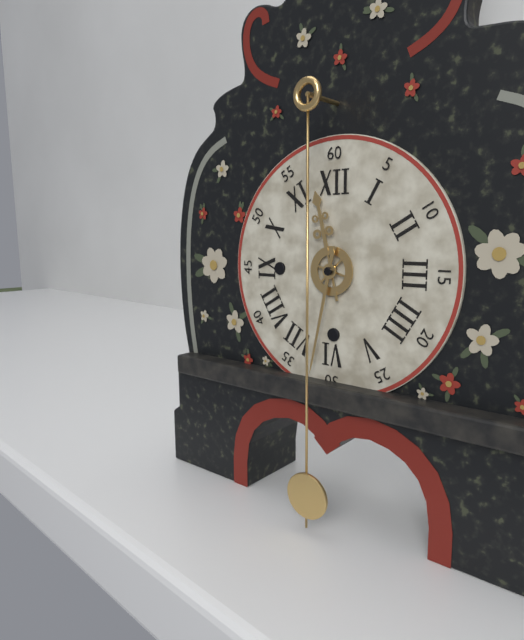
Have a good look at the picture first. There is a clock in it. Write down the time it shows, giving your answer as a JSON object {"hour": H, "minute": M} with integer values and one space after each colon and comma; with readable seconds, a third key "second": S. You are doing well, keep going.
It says {"hour": 11, "minute": 32}
